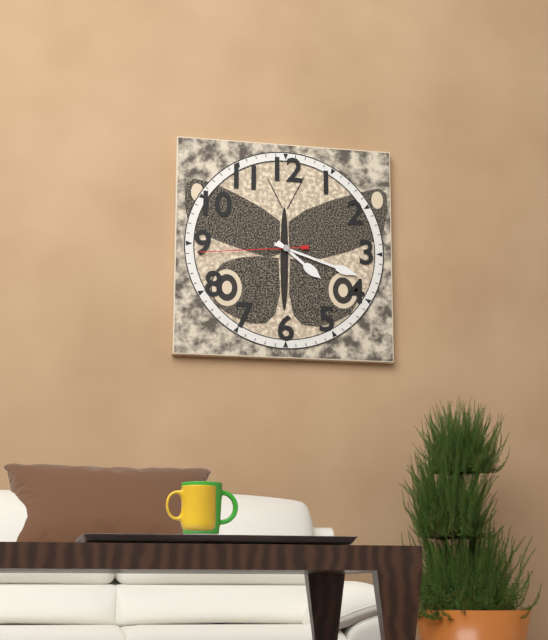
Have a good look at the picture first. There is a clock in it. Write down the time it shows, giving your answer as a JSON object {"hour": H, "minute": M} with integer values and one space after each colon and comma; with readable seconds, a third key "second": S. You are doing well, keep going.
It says {"hour": 4, "minute": 18, "second": 44}
